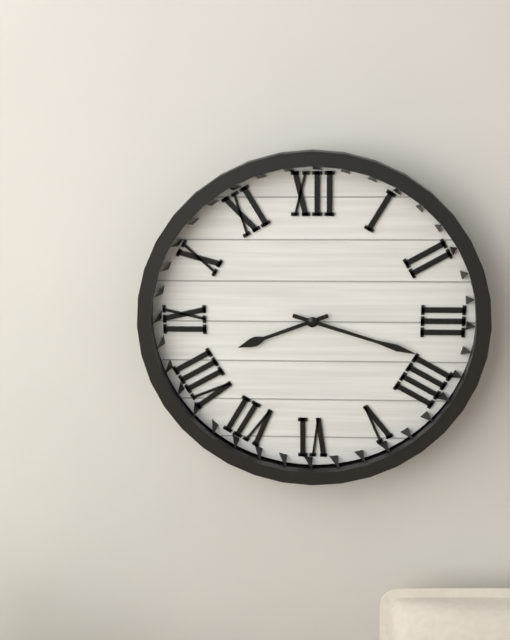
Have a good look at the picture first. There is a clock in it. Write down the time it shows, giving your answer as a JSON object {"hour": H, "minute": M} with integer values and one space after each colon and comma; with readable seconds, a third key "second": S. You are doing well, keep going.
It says {"hour": 8, "minute": 18}
